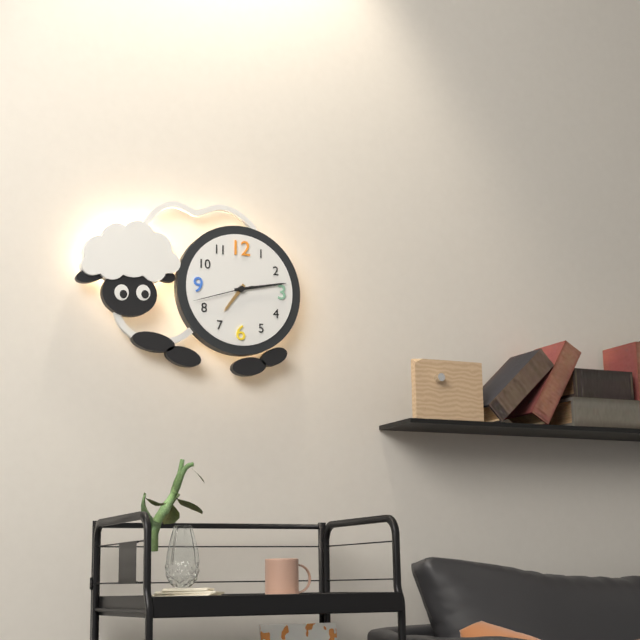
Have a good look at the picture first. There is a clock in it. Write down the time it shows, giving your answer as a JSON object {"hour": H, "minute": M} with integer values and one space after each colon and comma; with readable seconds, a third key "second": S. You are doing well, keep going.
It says {"hour": 7, "minute": 13, "second": 42}
